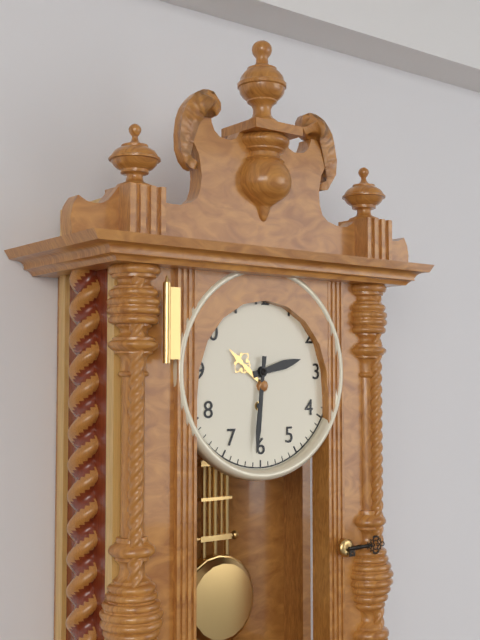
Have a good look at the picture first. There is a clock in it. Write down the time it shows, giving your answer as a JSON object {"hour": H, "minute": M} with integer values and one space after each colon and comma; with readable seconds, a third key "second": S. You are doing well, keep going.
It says {"hour": 2, "minute": 31}
